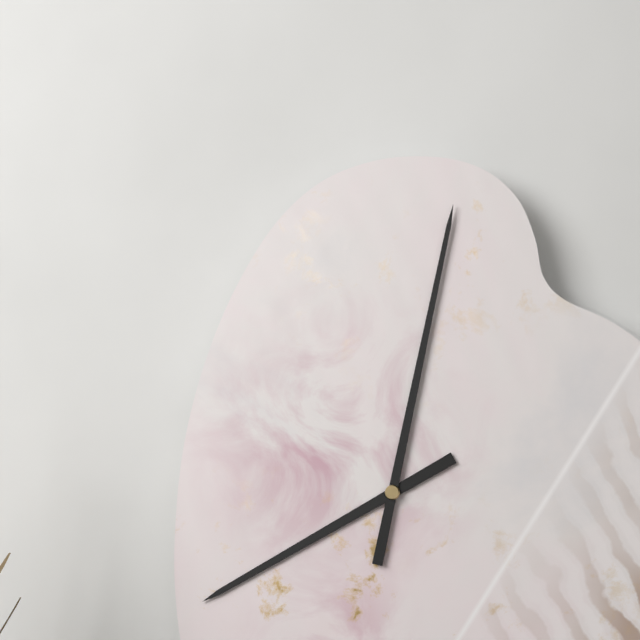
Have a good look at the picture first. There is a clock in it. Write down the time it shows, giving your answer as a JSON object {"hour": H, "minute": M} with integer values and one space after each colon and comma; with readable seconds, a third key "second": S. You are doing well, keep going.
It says {"hour": 8, "minute": 2}
